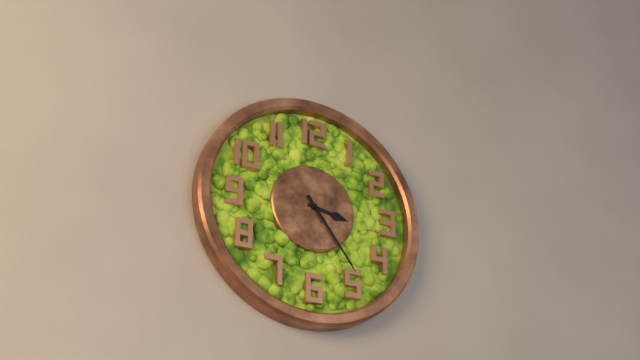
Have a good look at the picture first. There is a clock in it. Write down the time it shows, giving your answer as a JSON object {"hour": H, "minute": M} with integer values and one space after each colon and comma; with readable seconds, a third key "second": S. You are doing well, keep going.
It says {"hour": 3, "minute": 24}
